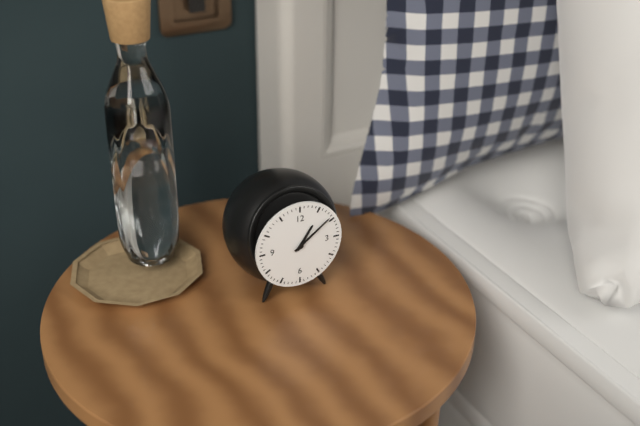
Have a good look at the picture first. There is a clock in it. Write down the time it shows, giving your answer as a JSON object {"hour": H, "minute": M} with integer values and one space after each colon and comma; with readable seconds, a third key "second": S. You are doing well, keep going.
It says {"hour": 1, "minute": 9}
